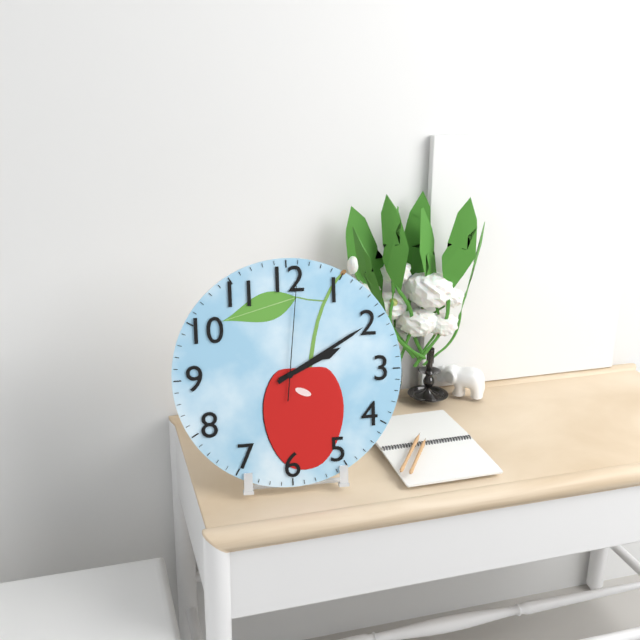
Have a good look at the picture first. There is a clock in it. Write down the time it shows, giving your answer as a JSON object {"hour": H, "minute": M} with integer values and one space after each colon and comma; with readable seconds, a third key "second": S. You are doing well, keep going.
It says {"hour": 2, "minute": 10, "second": 1}
